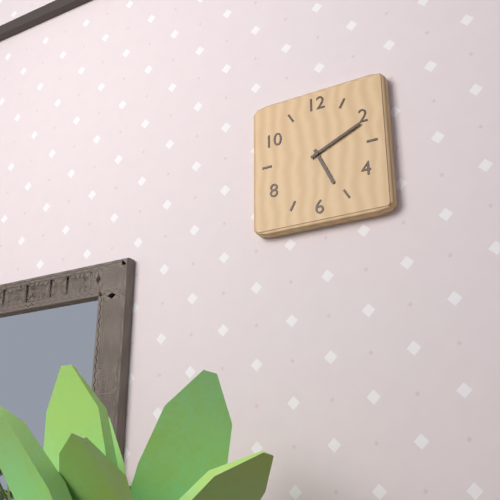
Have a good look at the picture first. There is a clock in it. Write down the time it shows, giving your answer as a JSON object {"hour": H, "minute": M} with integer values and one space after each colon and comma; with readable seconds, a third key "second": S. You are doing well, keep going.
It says {"hour": 5, "minute": 11}
